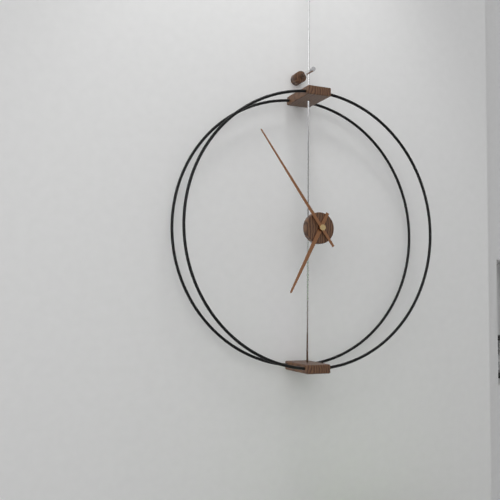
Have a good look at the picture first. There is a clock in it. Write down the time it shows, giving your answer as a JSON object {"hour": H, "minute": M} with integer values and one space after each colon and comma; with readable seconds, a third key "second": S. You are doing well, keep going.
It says {"hour": 6, "minute": 54}
